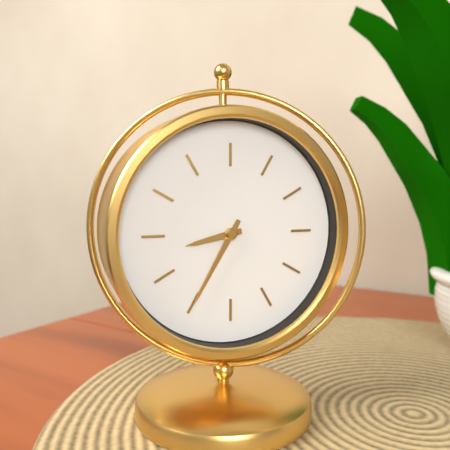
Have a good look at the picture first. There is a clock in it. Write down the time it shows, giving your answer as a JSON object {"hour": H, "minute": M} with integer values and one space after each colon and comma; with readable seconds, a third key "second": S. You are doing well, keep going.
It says {"hour": 8, "minute": 35}
